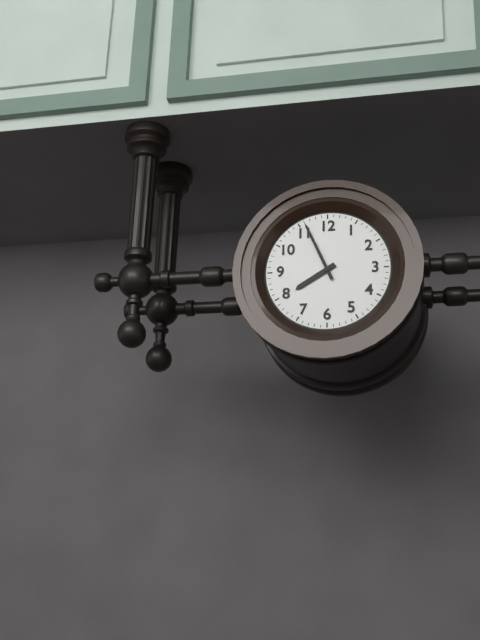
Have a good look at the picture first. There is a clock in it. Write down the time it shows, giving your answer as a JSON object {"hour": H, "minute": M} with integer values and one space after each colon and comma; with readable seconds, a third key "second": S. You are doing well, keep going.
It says {"hour": 7, "minute": 56}
